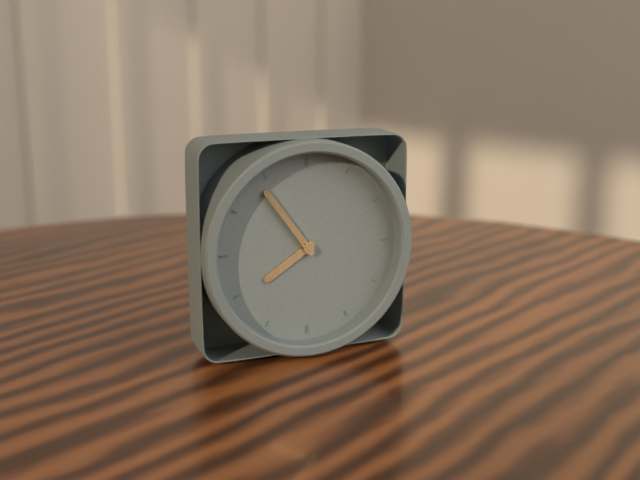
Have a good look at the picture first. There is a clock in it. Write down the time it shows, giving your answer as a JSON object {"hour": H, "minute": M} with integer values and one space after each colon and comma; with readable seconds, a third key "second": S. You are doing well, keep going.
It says {"hour": 7, "minute": 54}
